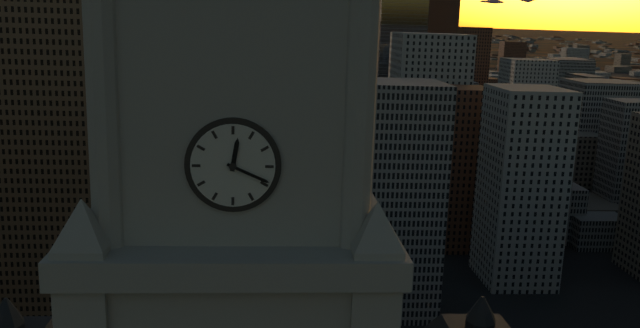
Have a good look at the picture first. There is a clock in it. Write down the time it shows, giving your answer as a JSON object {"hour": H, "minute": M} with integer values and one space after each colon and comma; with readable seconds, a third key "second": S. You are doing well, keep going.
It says {"hour": 12, "minute": 19}
